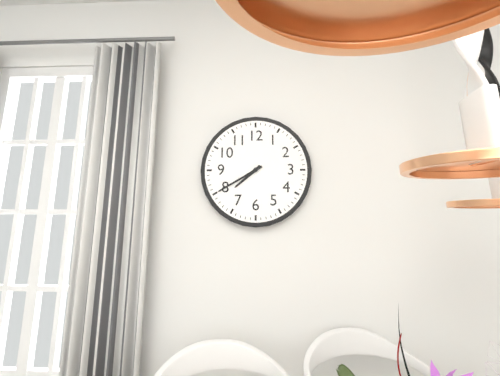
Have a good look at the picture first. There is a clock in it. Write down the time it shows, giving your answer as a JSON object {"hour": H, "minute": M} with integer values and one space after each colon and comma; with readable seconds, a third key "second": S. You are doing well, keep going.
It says {"hour": 7, "minute": 40}
